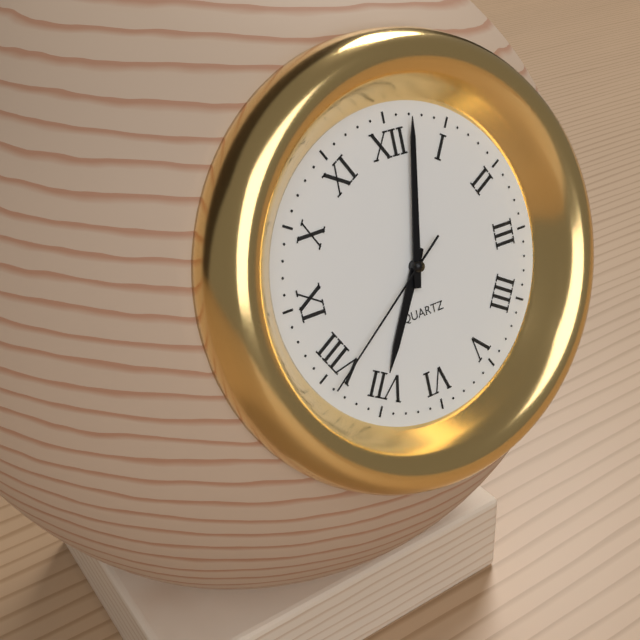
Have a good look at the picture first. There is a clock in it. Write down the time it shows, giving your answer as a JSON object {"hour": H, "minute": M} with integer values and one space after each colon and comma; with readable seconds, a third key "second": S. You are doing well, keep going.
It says {"hour": 7, "minute": 2, "second": 39}
